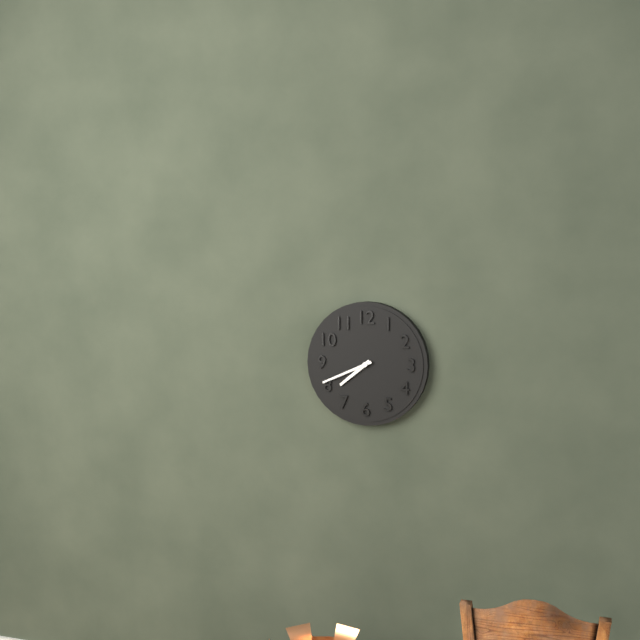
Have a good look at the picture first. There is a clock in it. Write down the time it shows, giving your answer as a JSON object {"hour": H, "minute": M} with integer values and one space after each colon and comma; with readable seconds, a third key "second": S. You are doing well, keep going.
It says {"hour": 7, "minute": 41}
